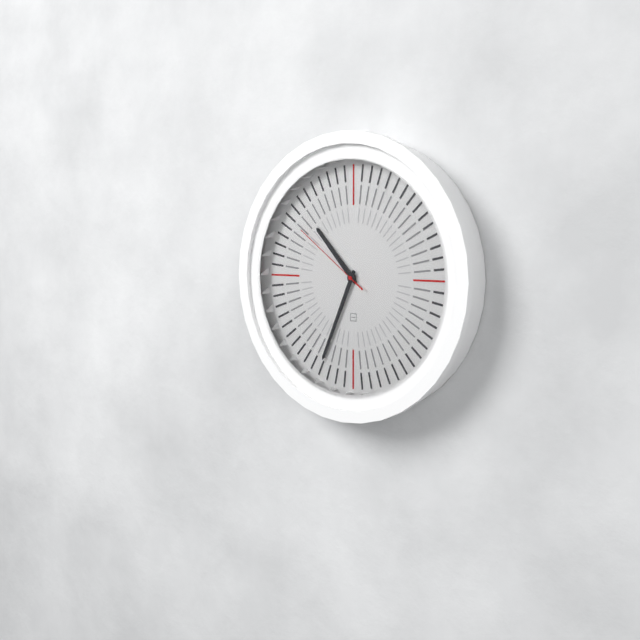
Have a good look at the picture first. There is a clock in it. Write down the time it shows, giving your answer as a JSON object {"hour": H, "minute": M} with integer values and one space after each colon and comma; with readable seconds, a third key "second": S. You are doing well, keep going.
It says {"hour": 10, "minute": 34, "second": 51}
